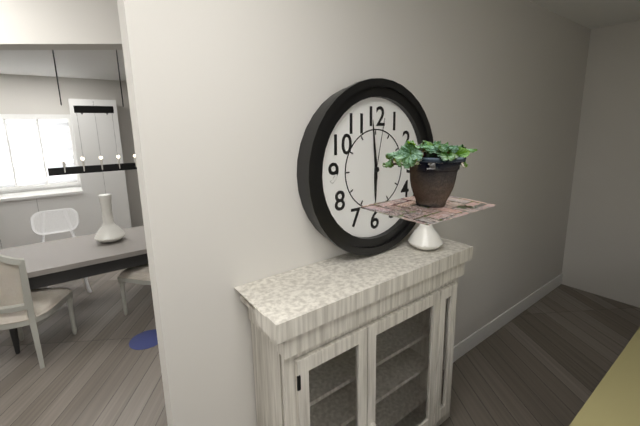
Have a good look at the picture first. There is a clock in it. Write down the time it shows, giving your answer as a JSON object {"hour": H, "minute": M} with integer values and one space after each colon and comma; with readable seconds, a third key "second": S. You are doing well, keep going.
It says {"hour": 5, "minute": 59, "second": 2}
